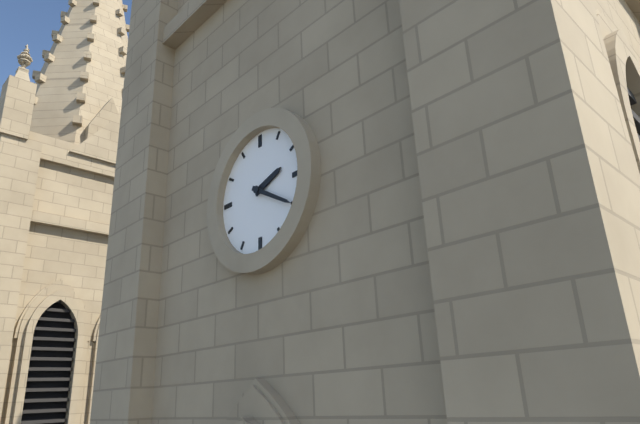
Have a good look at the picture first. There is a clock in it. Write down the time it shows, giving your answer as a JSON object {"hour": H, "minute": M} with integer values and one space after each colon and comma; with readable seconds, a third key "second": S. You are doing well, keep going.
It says {"hour": 2, "minute": 20}
